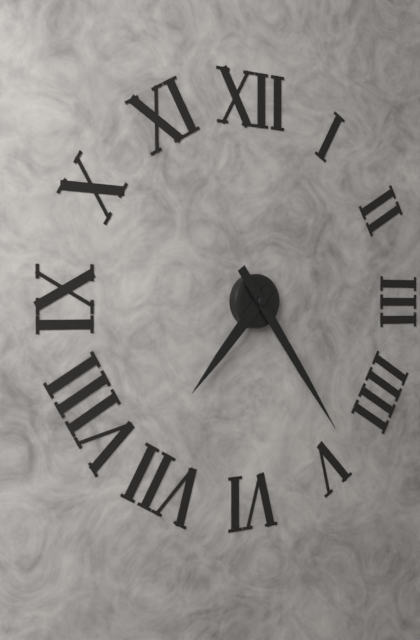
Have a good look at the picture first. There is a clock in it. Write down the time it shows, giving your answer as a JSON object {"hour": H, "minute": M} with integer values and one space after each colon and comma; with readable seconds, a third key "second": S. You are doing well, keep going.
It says {"hour": 7, "minute": 24}
